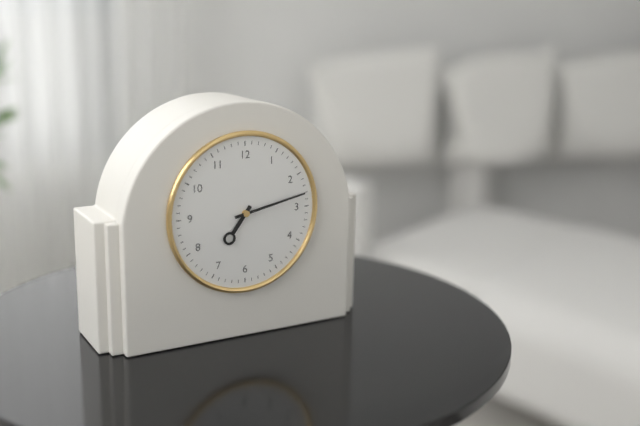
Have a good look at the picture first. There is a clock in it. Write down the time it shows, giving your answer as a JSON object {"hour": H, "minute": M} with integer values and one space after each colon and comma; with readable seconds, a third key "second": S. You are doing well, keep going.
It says {"hour": 7, "minute": 13}
